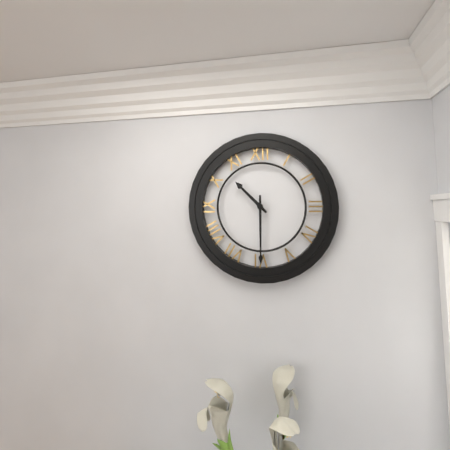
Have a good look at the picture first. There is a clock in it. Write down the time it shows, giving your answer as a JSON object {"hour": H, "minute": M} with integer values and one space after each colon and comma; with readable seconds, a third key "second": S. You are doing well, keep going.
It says {"hour": 10, "minute": 30}
